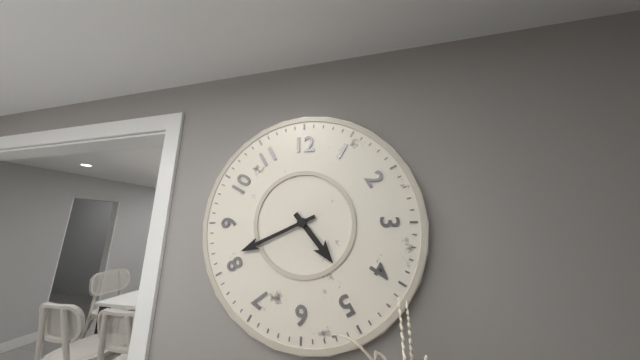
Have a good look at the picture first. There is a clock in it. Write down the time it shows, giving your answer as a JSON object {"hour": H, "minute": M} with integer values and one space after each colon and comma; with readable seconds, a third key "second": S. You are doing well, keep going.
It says {"hour": 4, "minute": 41}
